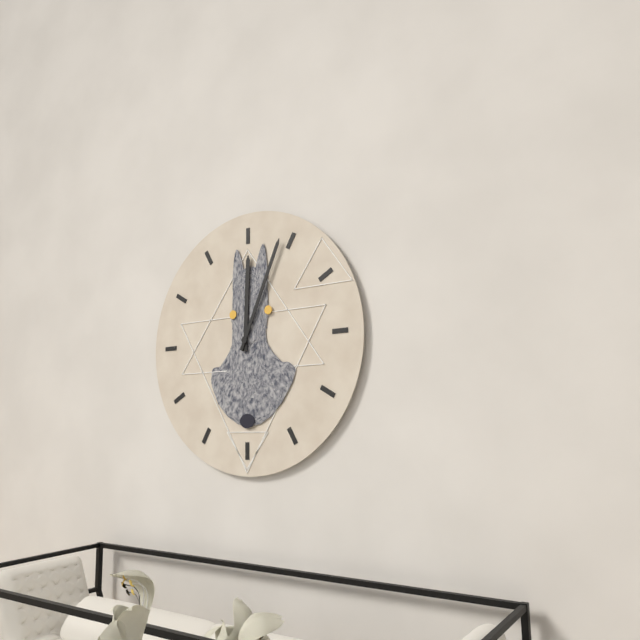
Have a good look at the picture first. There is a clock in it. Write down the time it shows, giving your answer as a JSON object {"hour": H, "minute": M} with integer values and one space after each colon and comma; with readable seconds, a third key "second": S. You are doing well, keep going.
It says {"hour": 12, "minute": 4}
